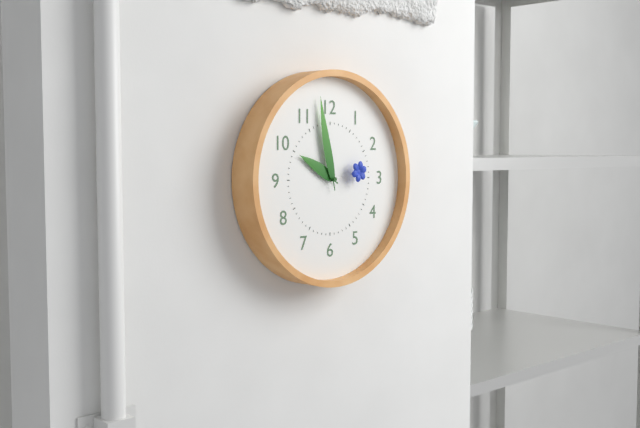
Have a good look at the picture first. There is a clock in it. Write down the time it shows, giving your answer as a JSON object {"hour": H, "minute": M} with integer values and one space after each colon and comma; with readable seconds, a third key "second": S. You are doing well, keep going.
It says {"hour": 9, "minute": 58}
